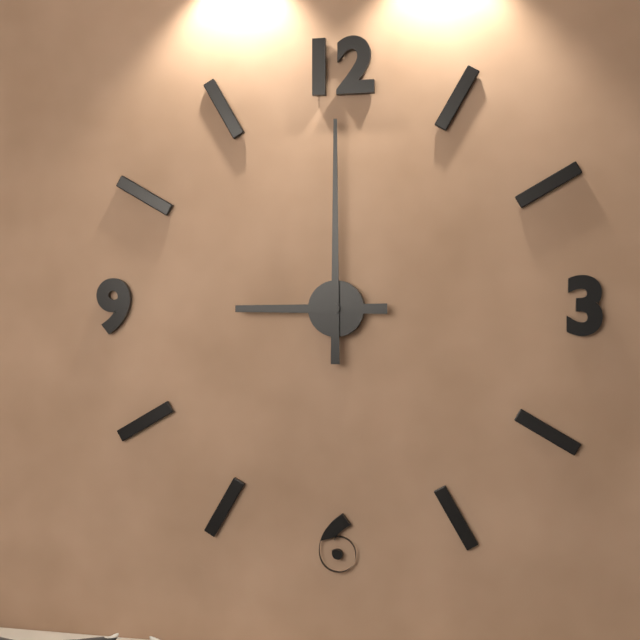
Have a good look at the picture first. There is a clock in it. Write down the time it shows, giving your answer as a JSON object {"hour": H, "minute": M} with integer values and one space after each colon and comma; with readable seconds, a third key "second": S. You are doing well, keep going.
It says {"hour": 9, "minute": 0}
